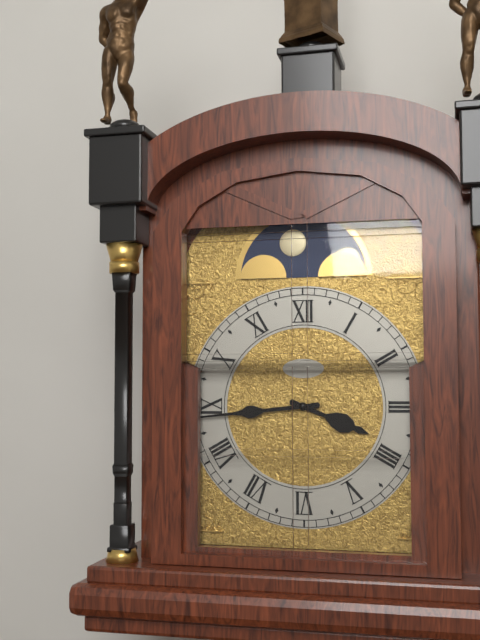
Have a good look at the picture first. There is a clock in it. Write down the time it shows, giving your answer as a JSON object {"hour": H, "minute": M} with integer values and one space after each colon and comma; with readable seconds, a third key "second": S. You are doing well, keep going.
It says {"hour": 3, "minute": 44}
